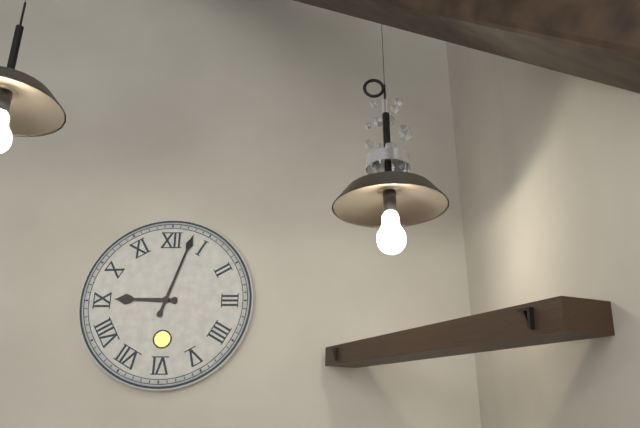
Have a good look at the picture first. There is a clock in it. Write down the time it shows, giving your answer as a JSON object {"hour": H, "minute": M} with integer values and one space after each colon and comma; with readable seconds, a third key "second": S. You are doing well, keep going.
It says {"hour": 9, "minute": 3}
